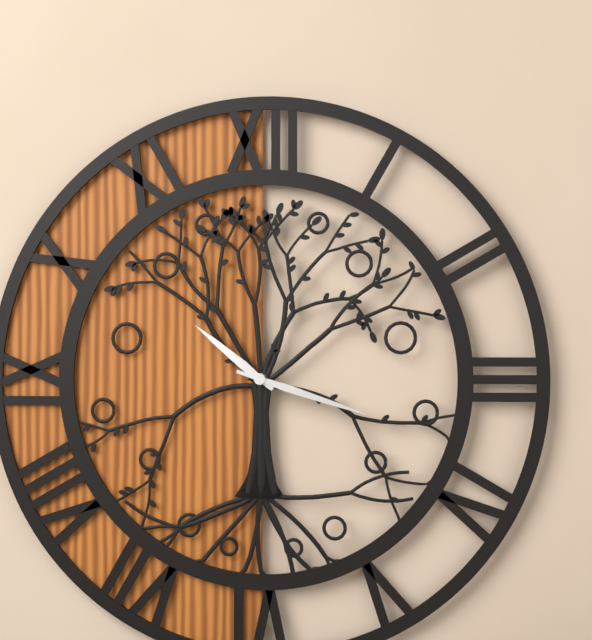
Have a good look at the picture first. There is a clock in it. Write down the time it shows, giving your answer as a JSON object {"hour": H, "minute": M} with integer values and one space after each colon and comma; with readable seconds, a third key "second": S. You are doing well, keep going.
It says {"hour": 10, "minute": 18}
